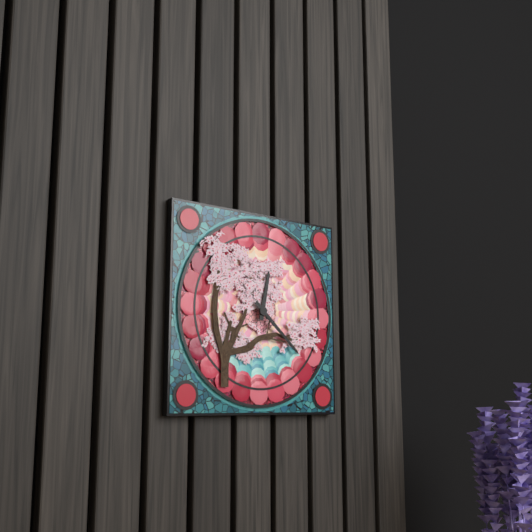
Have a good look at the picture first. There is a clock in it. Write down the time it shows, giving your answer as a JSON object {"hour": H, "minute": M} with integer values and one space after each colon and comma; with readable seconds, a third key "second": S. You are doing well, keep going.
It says {"hour": 12, "minute": 22}
